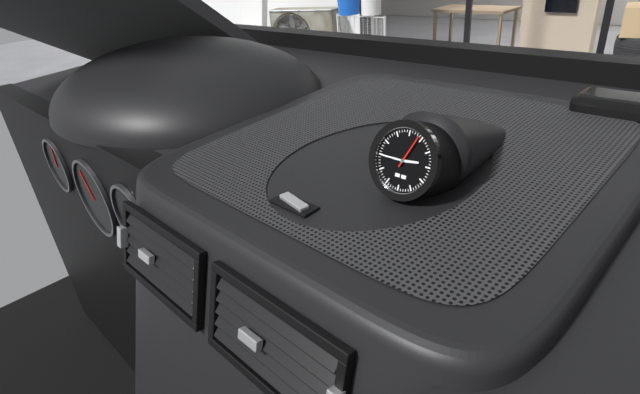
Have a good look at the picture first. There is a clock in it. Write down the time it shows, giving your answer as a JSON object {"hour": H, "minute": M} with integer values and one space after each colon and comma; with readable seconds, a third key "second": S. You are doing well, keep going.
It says {"hour": 2, "minute": 45}
